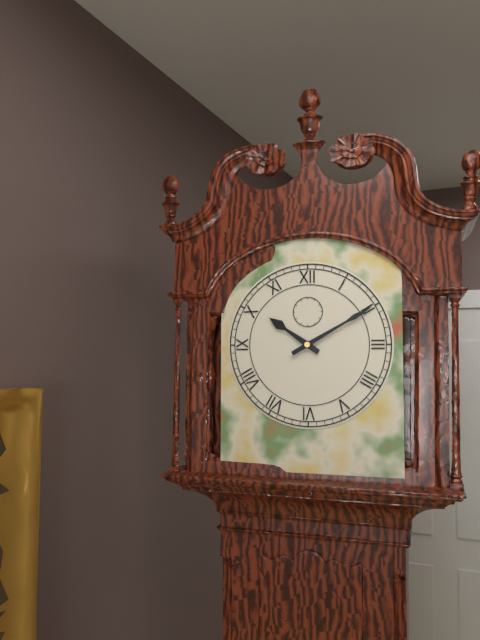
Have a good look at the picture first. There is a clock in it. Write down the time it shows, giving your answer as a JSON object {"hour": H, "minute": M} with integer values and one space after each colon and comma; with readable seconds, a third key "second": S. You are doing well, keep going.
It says {"hour": 10, "minute": 10}
